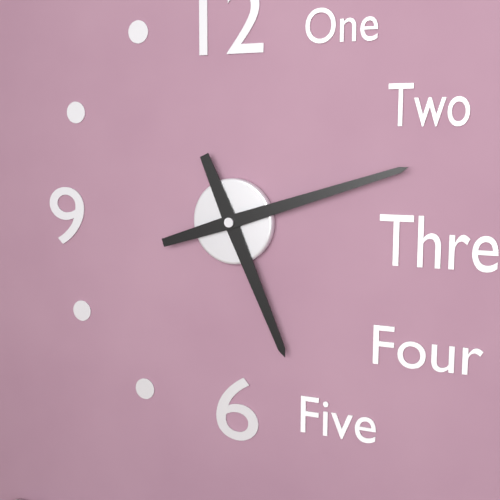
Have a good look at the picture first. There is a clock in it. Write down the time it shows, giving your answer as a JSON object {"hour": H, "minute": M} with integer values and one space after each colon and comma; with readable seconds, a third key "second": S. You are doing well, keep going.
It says {"hour": 5, "minute": 12}
